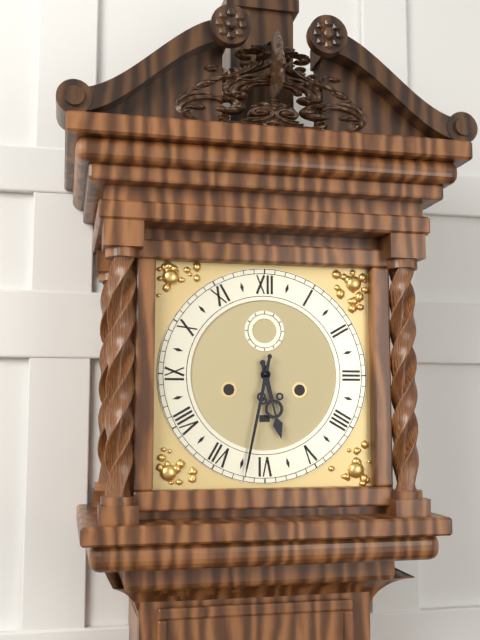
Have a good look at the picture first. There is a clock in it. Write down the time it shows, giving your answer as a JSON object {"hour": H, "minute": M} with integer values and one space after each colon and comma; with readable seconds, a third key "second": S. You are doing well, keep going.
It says {"hour": 5, "minute": 32}
